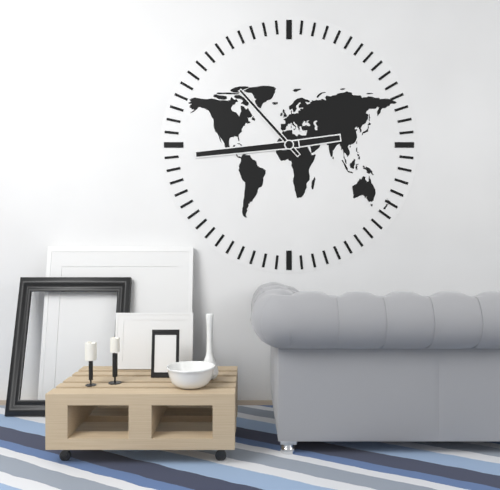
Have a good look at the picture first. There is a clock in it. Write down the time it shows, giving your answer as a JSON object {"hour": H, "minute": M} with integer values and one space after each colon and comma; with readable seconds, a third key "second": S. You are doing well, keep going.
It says {"hour": 2, "minute": 44, "second": 53}
